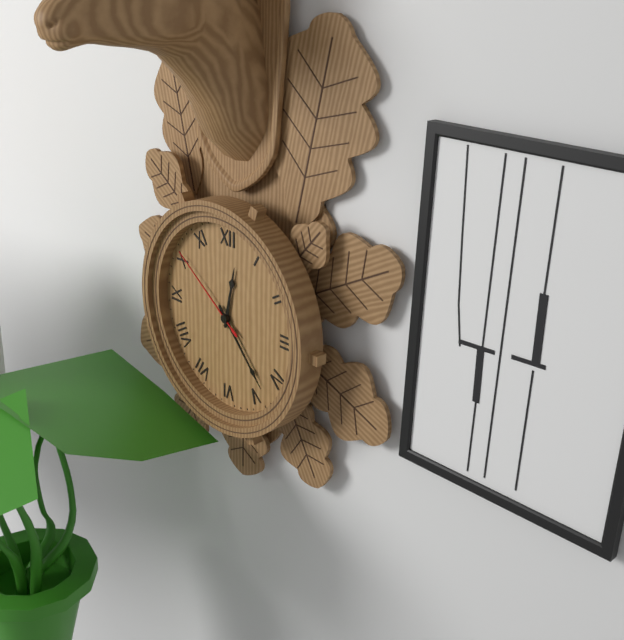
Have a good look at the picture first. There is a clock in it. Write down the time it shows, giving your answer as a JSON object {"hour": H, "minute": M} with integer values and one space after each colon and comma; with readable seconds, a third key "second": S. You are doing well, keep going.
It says {"hour": 12, "minute": 23, "second": 51}
